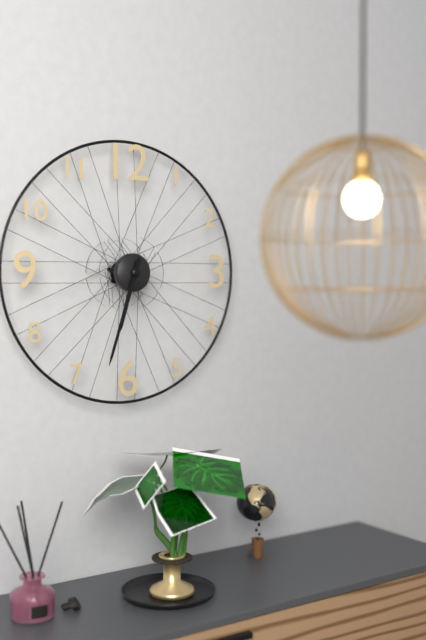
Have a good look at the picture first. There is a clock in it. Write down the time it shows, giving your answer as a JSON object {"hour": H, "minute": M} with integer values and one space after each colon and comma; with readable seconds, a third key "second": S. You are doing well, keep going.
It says {"hour": 6, "minute": 33}
